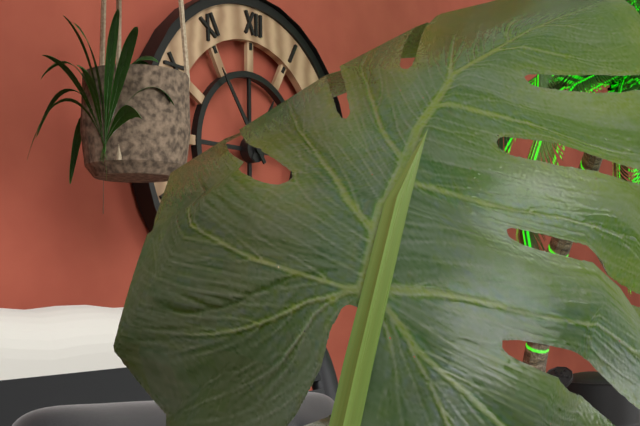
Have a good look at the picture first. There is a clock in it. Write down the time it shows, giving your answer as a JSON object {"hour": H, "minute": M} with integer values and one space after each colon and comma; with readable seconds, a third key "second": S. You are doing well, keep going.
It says {"hour": 12, "minute": 54}
